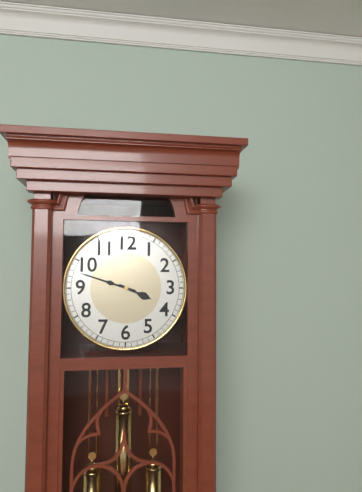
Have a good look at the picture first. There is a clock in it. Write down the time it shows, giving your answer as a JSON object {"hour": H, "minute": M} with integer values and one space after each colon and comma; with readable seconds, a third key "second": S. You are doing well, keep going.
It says {"hour": 3, "minute": 48}
